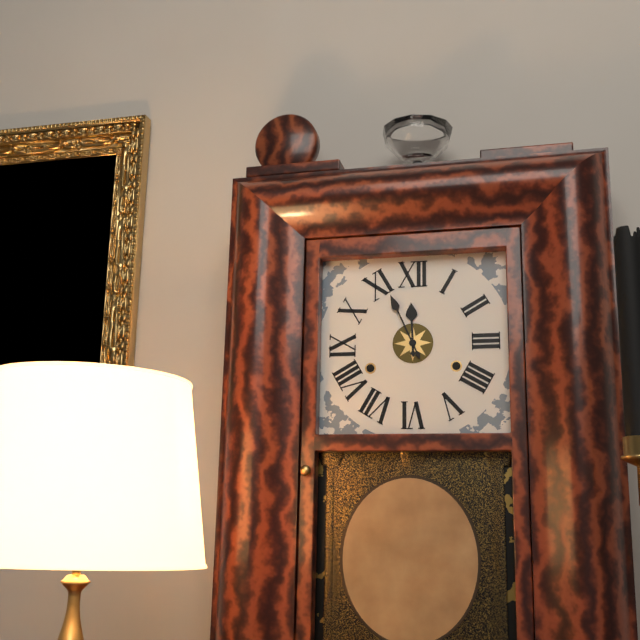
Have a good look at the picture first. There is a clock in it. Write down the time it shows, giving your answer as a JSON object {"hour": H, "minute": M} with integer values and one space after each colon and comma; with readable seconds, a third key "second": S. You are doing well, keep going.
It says {"hour": 11, "minute": 56}
